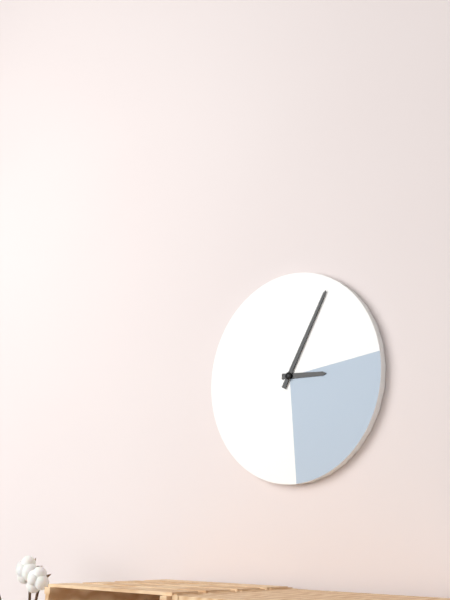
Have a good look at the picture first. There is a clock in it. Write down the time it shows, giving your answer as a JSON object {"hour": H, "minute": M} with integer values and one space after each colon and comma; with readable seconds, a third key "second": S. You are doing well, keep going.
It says {"hour": 3, "minute": 5}
